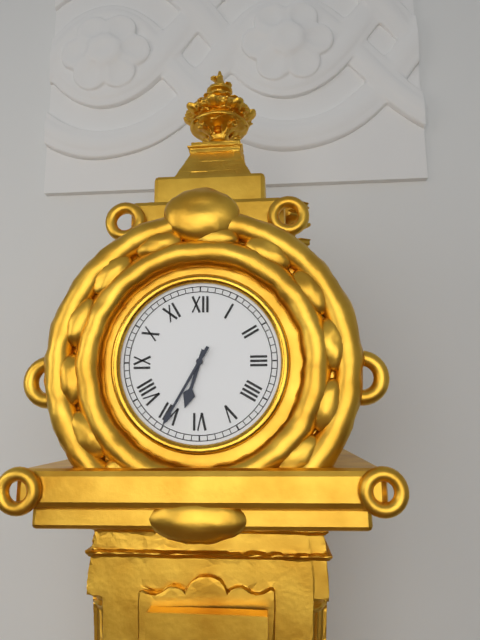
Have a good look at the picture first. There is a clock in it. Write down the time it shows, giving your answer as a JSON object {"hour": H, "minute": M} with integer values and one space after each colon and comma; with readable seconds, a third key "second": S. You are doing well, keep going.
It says {"hour": 6, "minute": 35}
